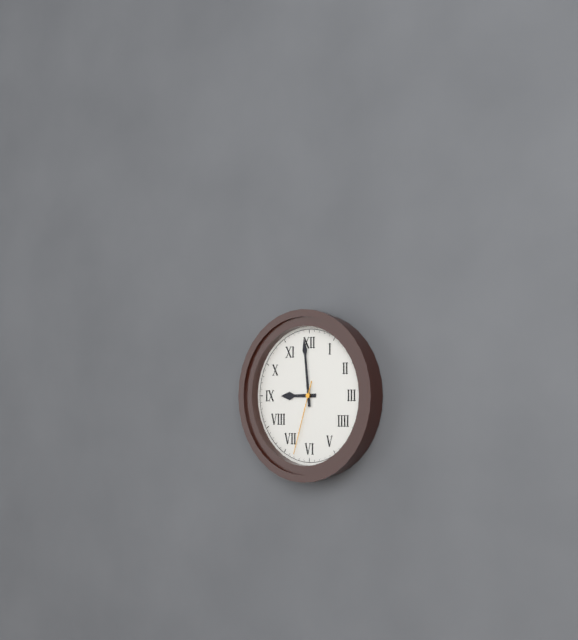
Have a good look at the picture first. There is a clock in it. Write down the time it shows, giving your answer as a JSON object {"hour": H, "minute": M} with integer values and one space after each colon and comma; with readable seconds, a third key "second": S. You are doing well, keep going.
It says {"hour": 8, "minute": 59, "second": 33}
